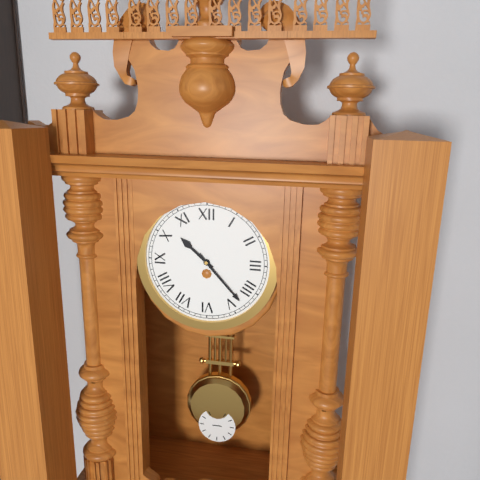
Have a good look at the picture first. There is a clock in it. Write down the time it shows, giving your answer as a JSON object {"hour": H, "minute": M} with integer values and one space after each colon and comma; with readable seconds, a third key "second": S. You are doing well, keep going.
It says {"hour": 10, "minute": 23}
